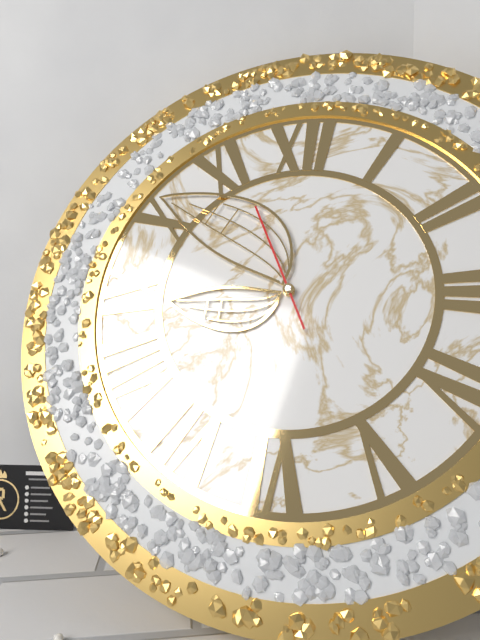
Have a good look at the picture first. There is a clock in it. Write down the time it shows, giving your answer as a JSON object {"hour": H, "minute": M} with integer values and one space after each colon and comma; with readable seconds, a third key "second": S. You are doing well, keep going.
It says {"hour": 8, "minute": 51, "second": 56}
